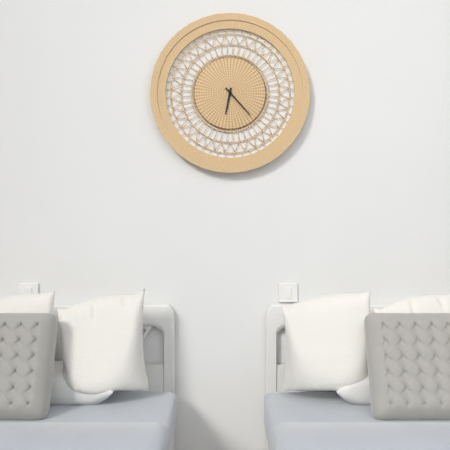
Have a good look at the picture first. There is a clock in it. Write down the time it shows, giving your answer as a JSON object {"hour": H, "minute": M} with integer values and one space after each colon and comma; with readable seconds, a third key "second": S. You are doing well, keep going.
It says {"hour": 6, "minute": 23}
